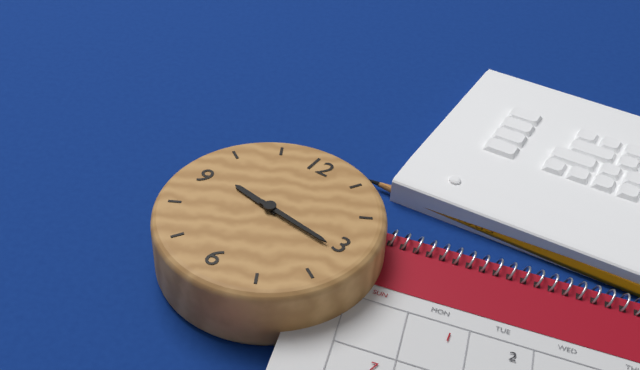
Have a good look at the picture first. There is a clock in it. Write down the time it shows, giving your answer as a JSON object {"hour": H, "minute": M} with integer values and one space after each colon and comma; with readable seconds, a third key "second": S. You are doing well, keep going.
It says {"hour": 9, "minute": 16}
